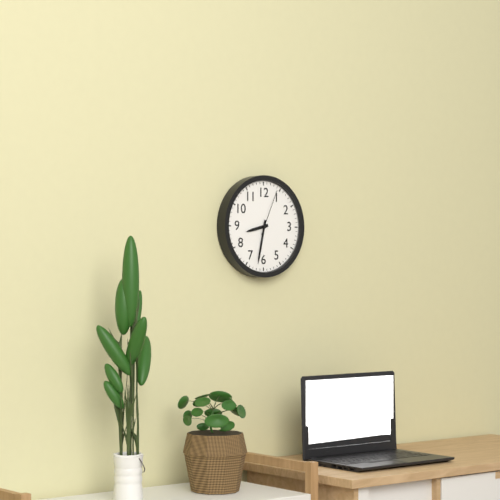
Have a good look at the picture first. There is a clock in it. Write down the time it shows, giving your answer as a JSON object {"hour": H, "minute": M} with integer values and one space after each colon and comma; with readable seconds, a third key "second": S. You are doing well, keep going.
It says {"hour": 8, "minute": 32}
